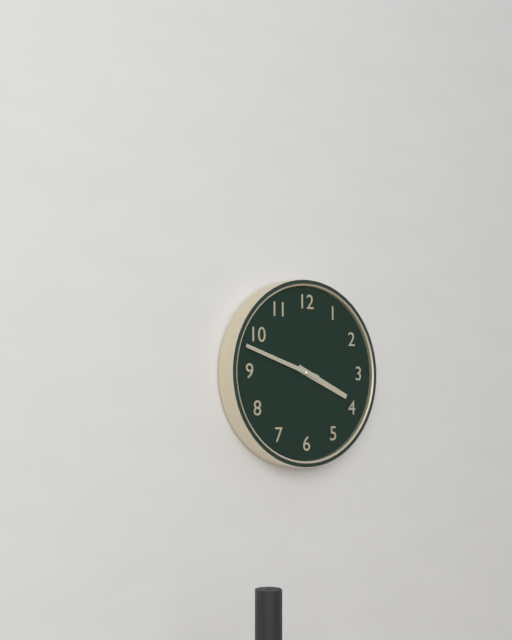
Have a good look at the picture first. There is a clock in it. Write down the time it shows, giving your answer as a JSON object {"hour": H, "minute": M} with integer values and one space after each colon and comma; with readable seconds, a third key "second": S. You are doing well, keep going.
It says {"hour": 3, "minute": 48}
